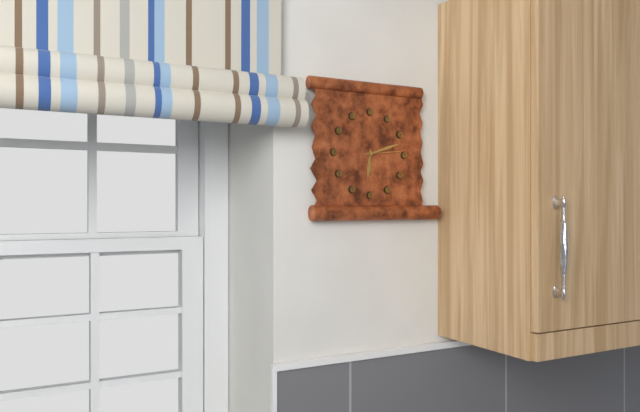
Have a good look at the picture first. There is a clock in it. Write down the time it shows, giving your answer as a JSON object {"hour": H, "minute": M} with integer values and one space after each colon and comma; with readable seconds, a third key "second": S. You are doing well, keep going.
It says {"hour": 6, "minute": 12}
